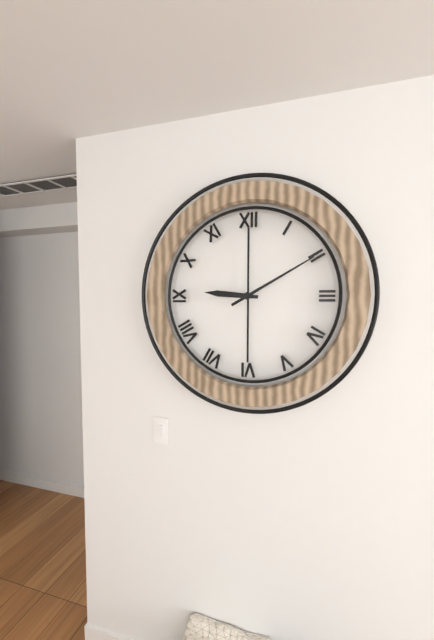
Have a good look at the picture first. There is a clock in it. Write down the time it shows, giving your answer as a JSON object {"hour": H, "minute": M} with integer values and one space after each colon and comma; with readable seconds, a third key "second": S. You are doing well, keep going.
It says {"hour": 9, "minute": 10}
